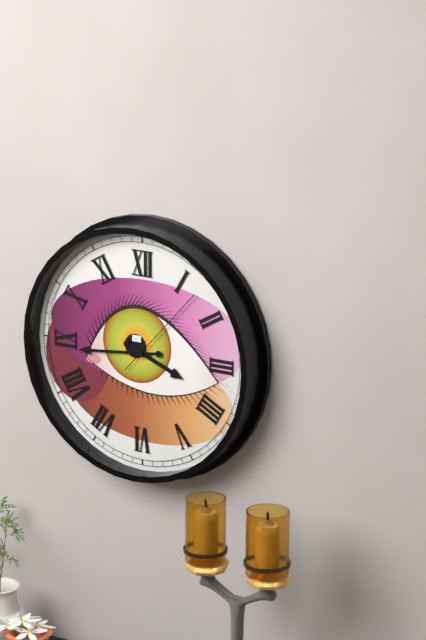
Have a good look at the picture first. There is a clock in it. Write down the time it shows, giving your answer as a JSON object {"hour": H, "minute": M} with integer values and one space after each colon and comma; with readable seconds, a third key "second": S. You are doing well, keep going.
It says {"hour": 3, "minute": 44, "second": 7}
